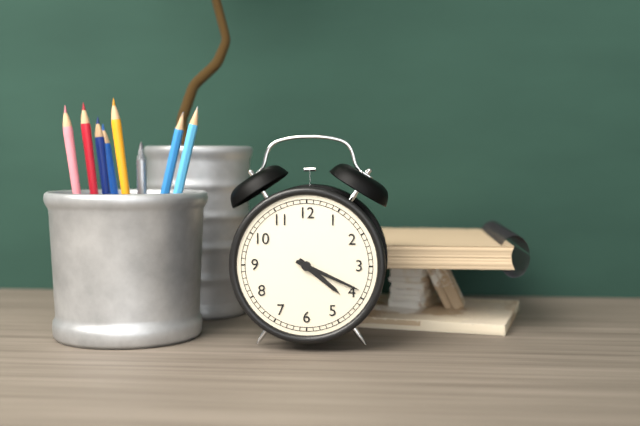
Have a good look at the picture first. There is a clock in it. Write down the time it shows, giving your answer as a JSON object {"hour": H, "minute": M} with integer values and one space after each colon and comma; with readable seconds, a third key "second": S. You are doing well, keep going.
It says {"hour": 4, "minute": 19}
